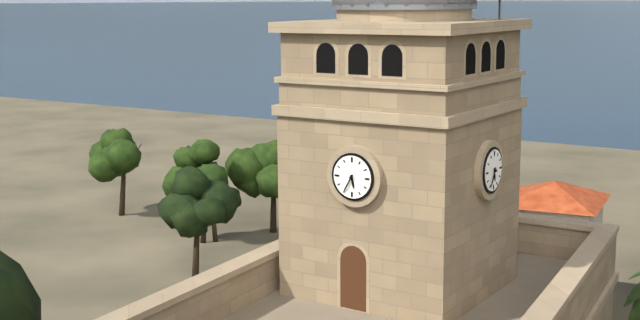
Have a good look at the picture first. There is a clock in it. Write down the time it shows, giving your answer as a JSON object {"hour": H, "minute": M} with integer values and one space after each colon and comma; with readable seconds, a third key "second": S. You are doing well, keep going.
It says {"hour": 5, "minute": 35}
